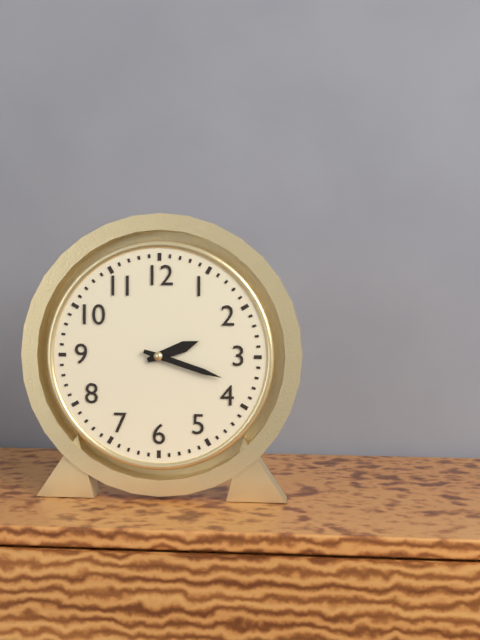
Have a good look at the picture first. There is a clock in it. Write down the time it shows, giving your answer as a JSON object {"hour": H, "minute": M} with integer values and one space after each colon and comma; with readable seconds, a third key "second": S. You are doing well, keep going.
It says {"hour": 2, "minute": 18}
